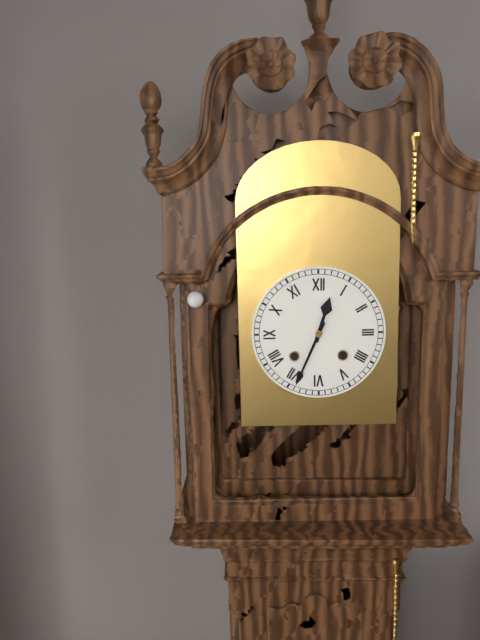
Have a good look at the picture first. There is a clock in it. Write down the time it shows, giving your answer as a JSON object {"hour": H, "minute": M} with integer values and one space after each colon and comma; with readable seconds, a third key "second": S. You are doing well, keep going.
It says {"hour": 12, "minute": 34}
